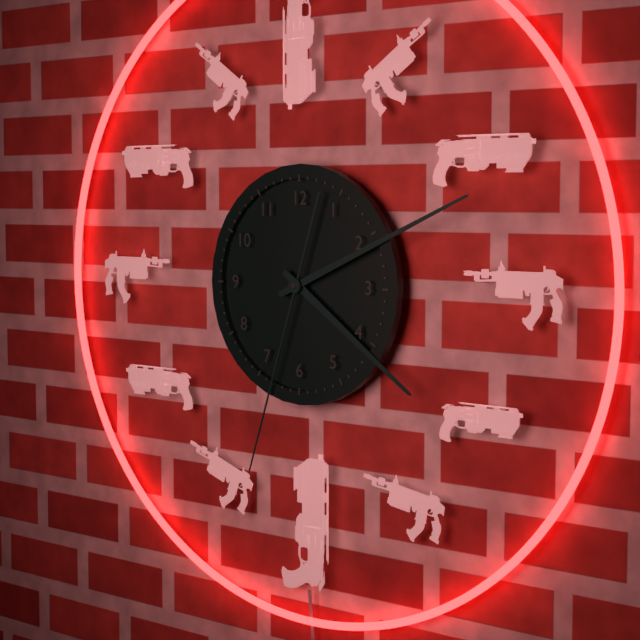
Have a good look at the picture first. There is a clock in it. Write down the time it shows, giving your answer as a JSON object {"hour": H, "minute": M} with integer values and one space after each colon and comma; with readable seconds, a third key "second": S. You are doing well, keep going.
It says {"hour": 4, "minute": 11, "second": 33}
